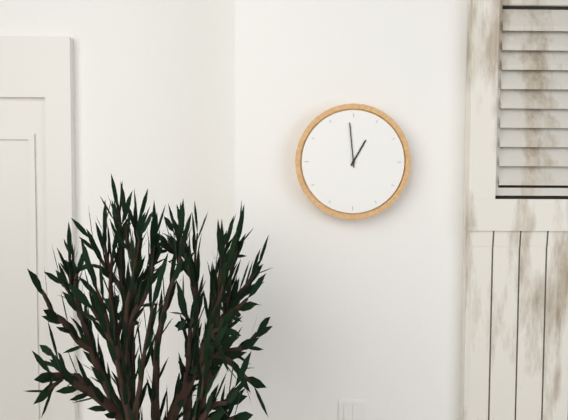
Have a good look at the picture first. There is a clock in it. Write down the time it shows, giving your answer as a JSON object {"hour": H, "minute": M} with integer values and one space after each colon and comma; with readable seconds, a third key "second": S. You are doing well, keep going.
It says {"hour": 12, "minute": 59}
